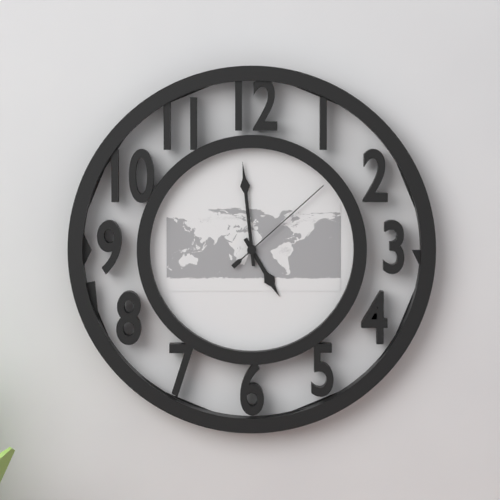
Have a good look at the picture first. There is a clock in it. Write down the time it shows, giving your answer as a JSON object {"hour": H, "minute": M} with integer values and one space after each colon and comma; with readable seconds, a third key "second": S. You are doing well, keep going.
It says {"hour": 4, "minute": 59, "second": 8}
